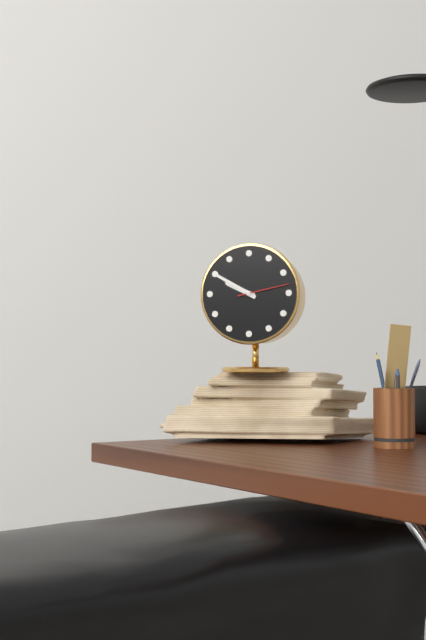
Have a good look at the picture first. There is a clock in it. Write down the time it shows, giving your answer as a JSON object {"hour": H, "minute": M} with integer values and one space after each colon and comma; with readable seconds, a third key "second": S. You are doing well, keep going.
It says {"hour": 9, "minute": 50, "second": 13}
